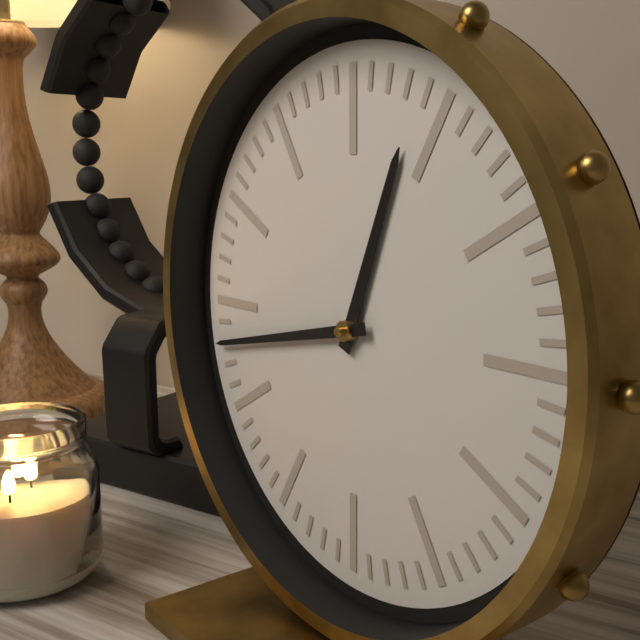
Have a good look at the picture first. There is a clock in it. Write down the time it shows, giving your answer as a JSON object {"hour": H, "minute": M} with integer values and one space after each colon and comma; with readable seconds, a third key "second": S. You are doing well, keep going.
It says {"hour": 12, "minute": 43}
